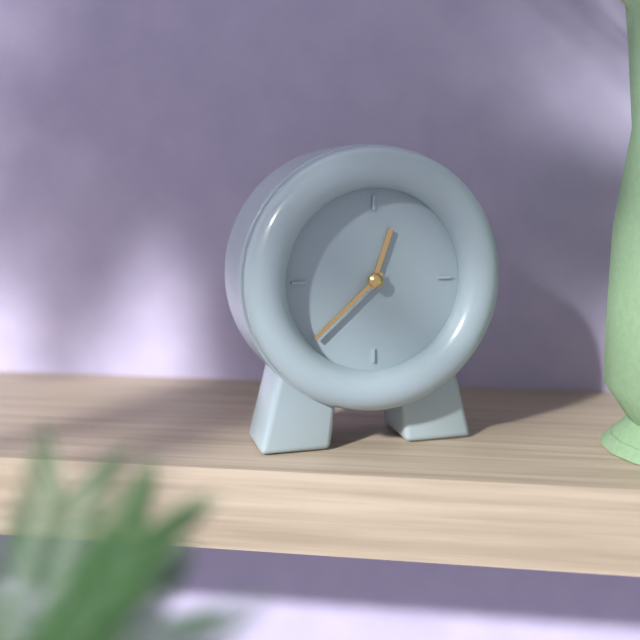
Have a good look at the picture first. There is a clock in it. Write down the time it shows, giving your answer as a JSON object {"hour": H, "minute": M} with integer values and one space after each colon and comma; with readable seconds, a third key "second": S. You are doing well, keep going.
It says {"hour": 12, "minute": 38}
